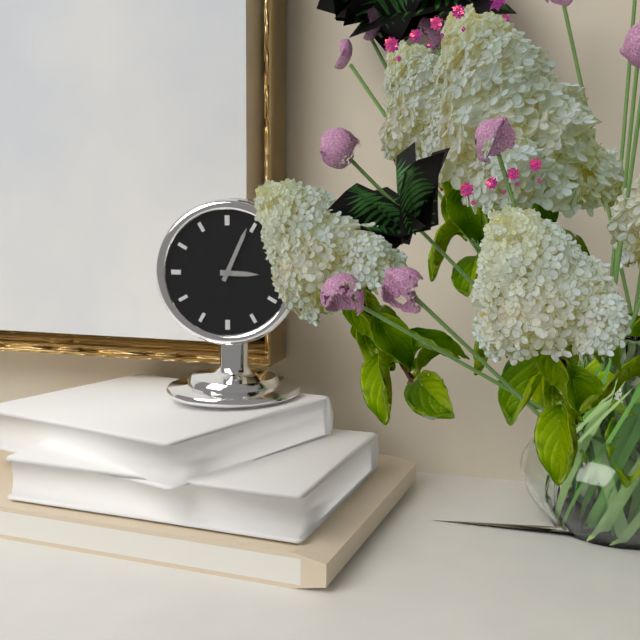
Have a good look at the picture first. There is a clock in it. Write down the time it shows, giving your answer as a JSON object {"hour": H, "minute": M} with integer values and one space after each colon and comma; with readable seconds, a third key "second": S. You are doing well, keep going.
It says {"hour": 3, "minute": 4}
